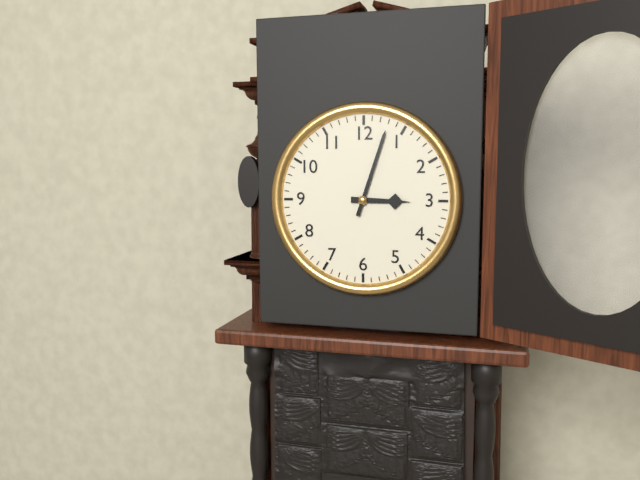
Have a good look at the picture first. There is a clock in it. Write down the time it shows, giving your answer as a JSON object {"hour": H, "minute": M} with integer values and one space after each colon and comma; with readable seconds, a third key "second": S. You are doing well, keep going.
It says {"hour": 3, "minute": 3}
